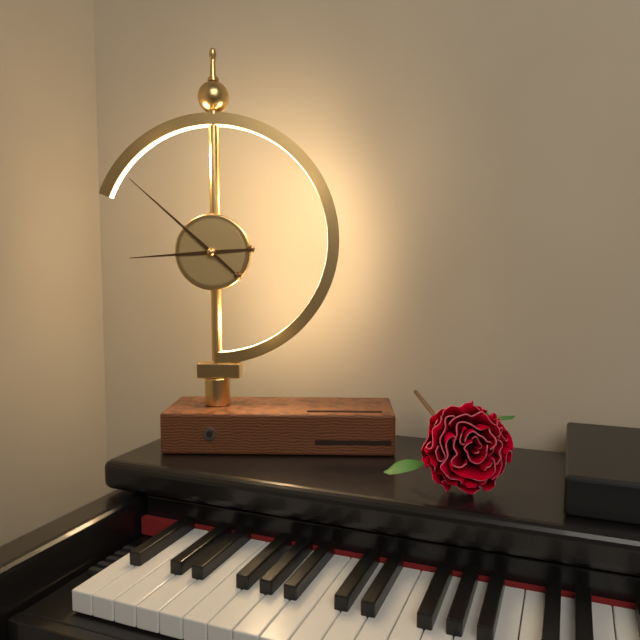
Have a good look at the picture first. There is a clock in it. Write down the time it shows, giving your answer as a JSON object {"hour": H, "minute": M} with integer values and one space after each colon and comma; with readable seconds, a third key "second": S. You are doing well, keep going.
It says {"hour": 8, "minute": 52}
